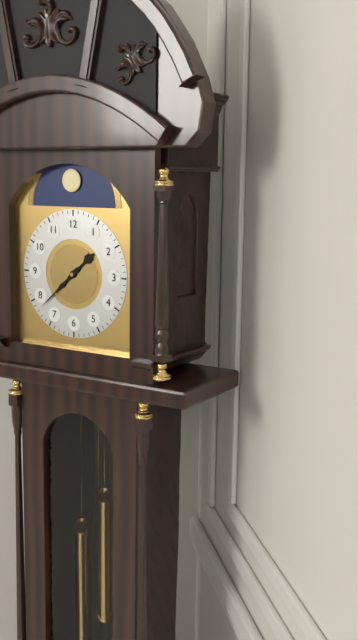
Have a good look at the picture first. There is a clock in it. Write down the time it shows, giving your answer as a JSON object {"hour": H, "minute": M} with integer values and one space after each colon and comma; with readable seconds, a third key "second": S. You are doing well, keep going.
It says {"hour": 1, "minute": 38}
